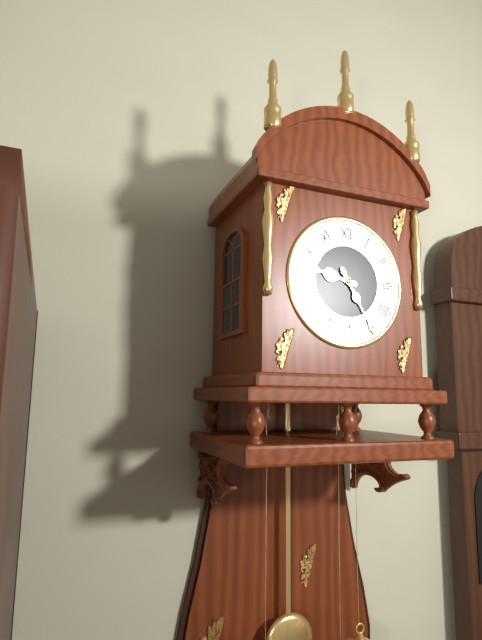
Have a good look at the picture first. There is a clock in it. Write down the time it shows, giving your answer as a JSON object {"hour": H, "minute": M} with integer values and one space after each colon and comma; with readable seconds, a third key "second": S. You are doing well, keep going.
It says {"hour": 9, "minute": 25}
